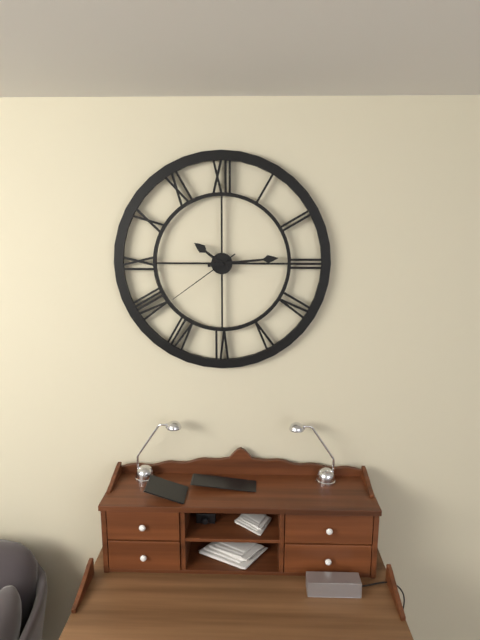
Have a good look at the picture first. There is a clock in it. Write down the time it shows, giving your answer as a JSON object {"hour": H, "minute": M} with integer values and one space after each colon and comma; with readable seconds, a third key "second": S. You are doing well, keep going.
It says {"hour": 10, "minute": 14, "second": 39}
